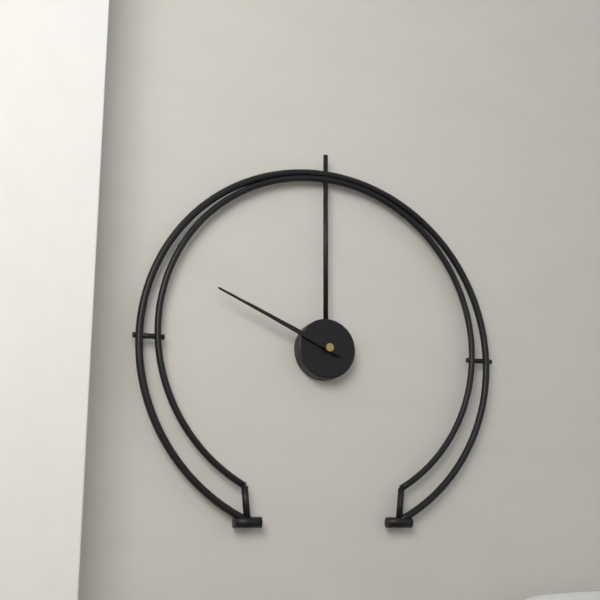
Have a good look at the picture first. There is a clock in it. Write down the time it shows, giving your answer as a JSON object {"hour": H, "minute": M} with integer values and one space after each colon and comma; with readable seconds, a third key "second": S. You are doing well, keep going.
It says {"hour": 9, "minute": 49}
